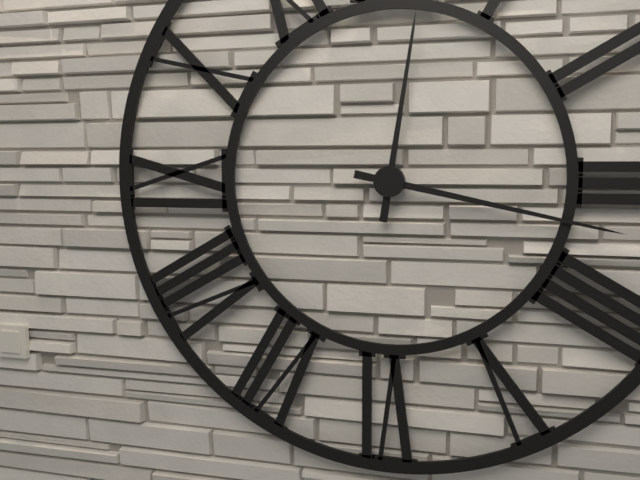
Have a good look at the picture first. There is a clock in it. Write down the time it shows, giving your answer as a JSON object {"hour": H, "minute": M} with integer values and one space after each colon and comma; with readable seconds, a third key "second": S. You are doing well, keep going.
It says {"hour": 12, "minute": 17}
